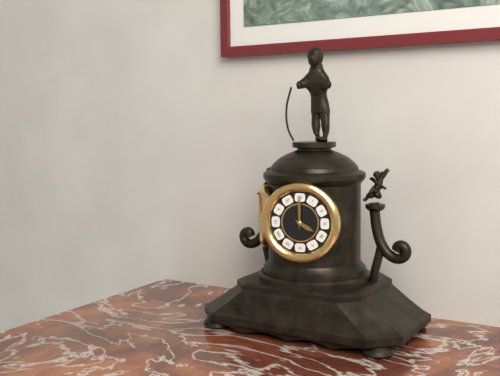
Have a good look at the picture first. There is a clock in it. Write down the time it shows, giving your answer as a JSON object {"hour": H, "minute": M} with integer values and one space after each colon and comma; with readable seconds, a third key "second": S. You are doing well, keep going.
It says {"hour": 4, "minute": 0}
